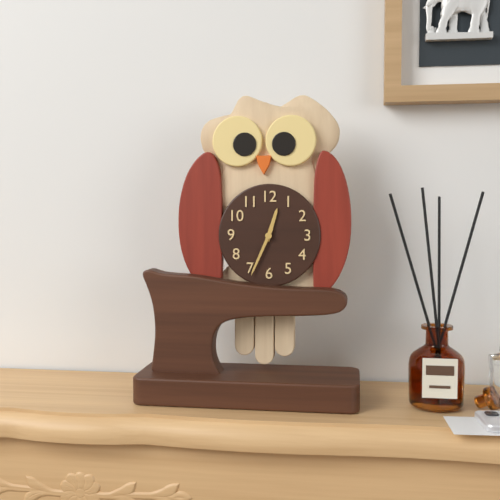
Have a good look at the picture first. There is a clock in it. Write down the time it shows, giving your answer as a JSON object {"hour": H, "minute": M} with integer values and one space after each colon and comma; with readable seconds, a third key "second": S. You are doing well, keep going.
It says {"hour": 12, "minute": 34}
